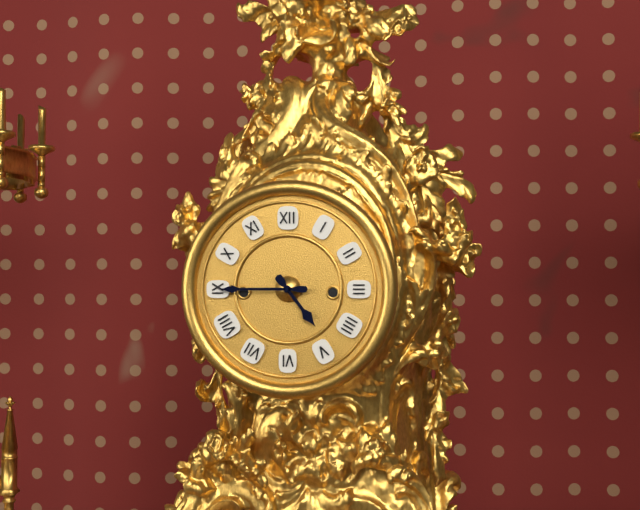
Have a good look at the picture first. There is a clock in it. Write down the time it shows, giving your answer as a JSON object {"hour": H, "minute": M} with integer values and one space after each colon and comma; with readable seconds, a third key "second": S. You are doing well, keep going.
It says {"hour": 4, "minute": 45}
